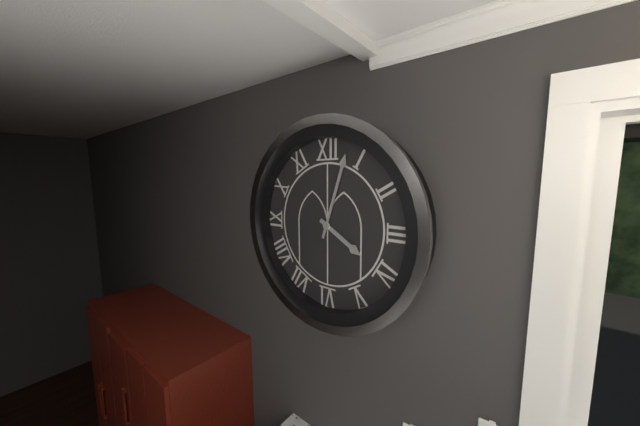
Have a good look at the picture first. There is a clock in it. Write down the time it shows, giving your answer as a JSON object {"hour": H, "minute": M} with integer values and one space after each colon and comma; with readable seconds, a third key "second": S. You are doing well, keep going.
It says {"hour": 4, "minute": 3}
